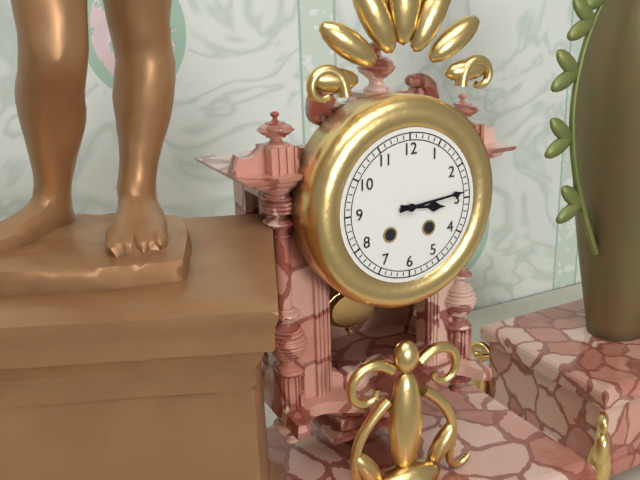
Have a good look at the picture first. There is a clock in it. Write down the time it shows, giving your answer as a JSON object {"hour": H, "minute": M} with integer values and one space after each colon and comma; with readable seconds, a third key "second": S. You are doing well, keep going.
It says {"hour": 3, "minute": 14}
